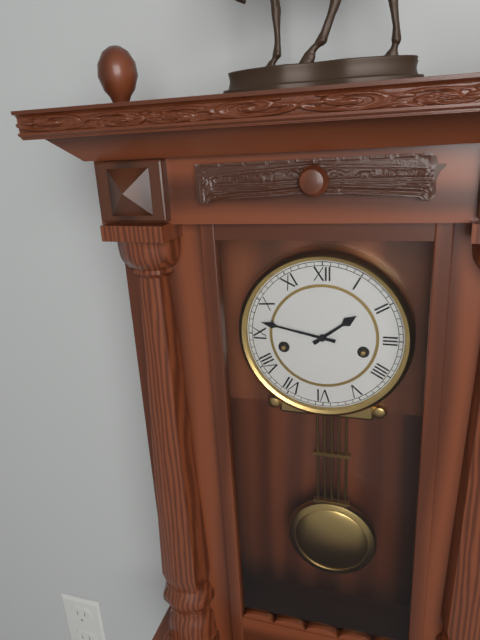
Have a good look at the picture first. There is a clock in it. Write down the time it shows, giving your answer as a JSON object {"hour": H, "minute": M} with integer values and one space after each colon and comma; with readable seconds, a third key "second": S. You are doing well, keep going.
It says {"hour": 1, "minute": 47}
